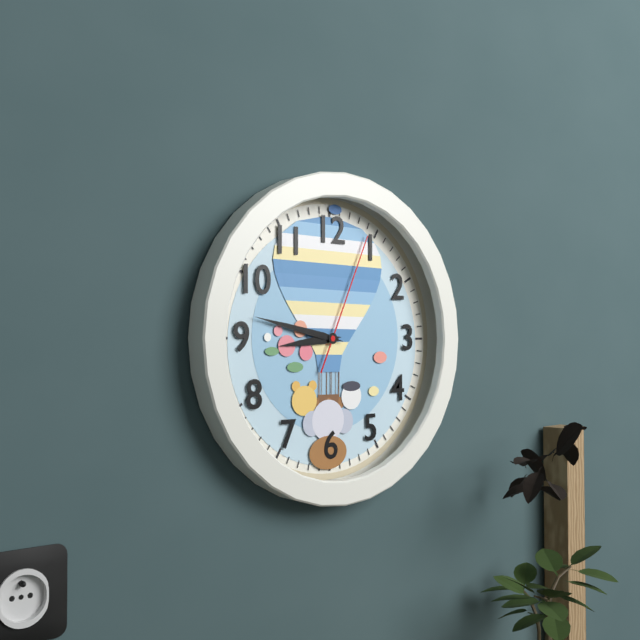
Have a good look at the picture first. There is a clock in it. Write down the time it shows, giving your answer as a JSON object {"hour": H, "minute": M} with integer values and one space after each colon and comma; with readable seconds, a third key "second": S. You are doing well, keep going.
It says {"hour": 8, "minute": 47, "second": 4}
